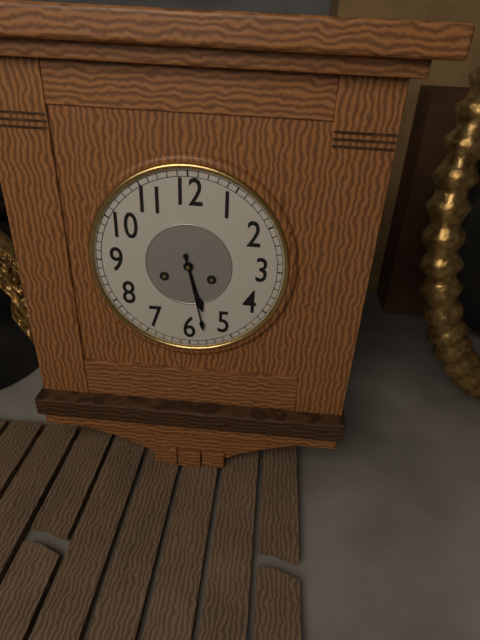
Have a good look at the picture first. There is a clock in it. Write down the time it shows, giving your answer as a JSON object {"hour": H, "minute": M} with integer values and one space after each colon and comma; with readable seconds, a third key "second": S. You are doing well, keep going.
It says {"hour": 5, "minute": 28}
